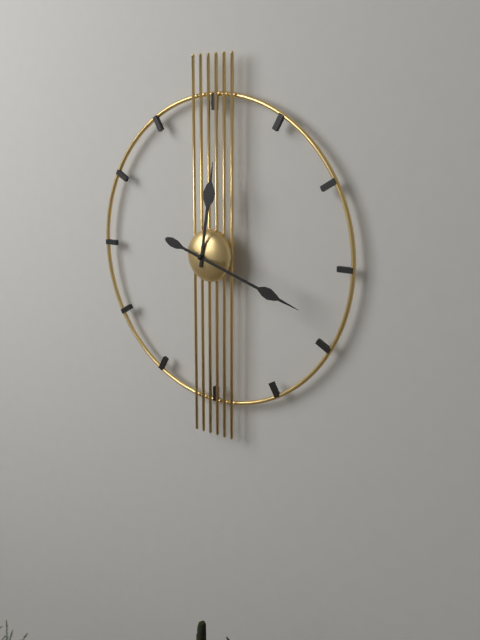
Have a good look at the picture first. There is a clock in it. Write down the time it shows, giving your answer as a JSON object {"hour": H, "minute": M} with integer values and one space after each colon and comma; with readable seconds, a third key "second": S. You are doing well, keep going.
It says {"hour": 12, "minute": 18}
